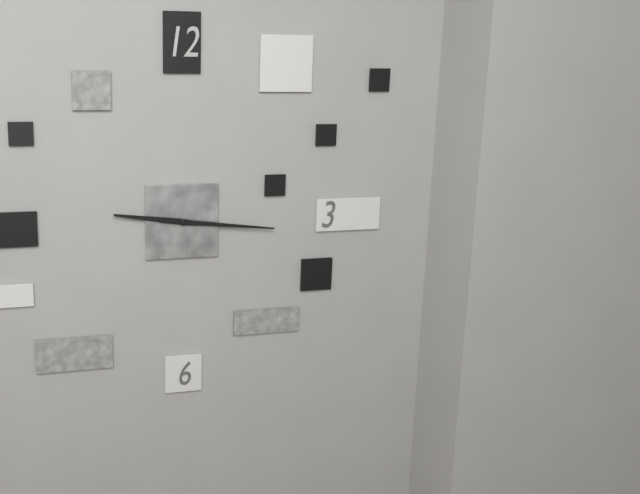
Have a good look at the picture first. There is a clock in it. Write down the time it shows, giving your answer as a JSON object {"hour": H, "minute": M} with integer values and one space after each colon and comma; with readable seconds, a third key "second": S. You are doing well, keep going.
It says {"hour": 9, "minute": 16}
